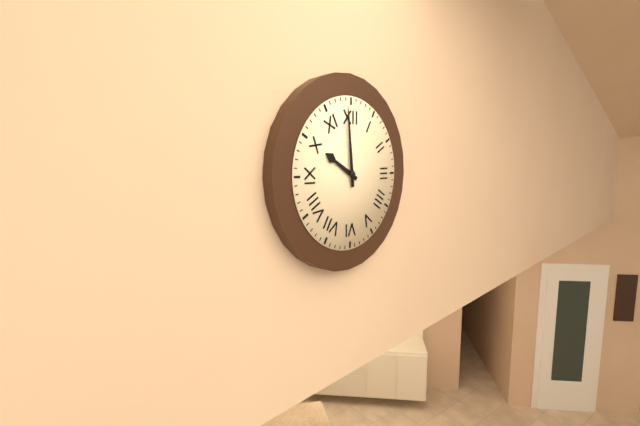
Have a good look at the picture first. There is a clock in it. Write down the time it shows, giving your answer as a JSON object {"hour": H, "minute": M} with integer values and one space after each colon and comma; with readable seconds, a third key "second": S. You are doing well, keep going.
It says {"hour": 9, "minute": 59}
